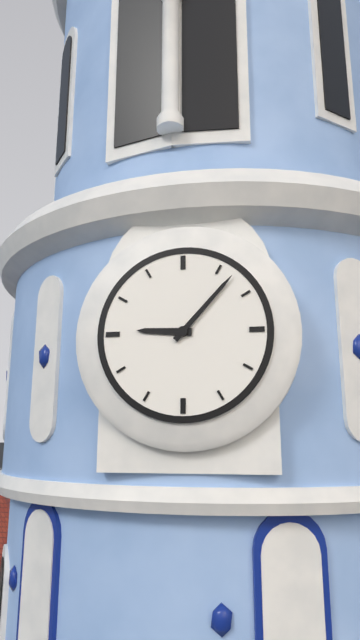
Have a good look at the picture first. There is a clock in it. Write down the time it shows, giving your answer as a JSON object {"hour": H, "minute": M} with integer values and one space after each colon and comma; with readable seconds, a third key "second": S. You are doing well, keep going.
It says {"hour": 9, "minute": 7}
